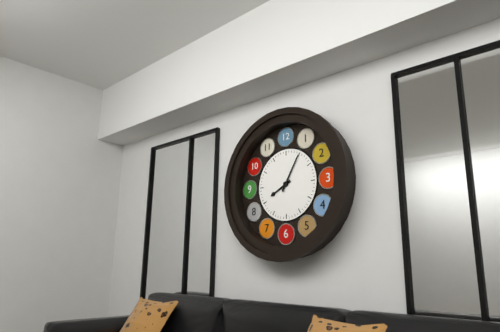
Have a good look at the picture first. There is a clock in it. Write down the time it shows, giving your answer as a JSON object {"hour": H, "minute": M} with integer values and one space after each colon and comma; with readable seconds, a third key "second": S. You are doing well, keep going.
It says {"hour": 8, "minute": 5}
